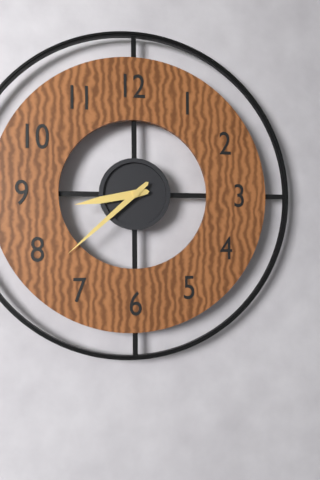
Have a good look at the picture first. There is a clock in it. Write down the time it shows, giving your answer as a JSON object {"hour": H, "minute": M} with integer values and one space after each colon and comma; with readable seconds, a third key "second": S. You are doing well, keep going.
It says {"hour": 8, "minute": 38}
